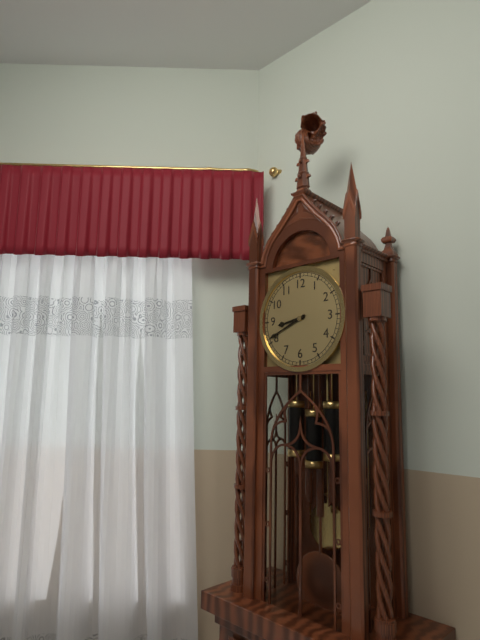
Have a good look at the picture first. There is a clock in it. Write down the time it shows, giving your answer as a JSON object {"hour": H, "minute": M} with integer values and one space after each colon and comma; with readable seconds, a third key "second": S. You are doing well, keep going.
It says {"hour": 8, "minute": 41}
